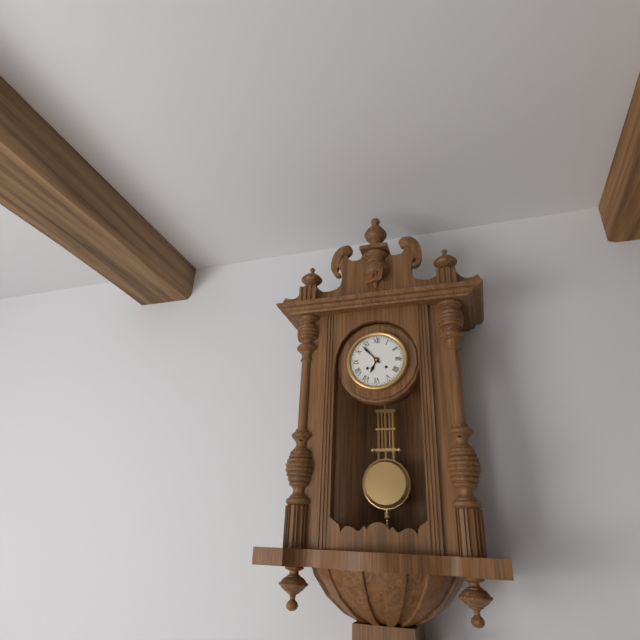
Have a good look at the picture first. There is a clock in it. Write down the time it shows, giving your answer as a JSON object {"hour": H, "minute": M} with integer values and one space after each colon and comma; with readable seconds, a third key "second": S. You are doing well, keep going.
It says {"hour": 6, "minute": 53}
